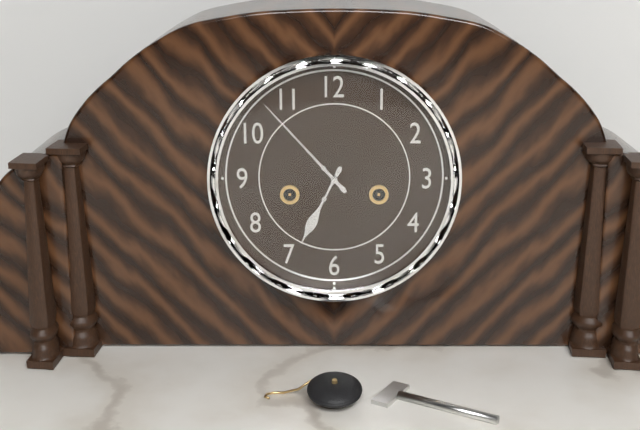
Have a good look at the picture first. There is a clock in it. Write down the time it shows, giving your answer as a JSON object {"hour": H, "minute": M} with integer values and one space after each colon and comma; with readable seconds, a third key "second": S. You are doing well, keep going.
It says {"hour": 6, "minute": 53}
